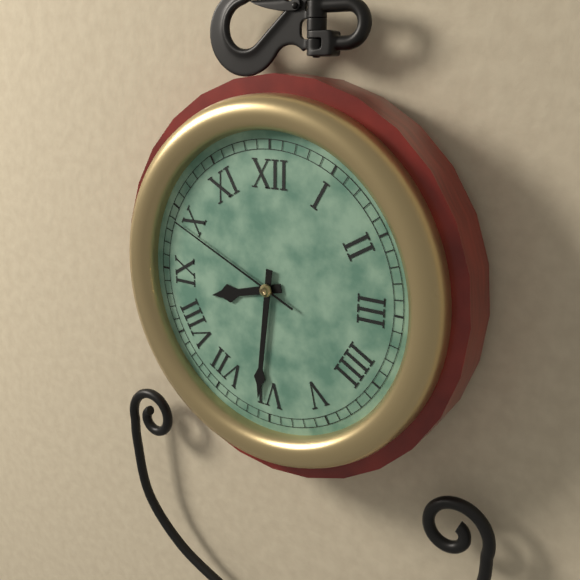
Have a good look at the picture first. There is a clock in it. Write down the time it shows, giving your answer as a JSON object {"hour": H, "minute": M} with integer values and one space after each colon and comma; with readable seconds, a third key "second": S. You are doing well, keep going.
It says {"hour": 8, "minute": 31, "second": 49}
